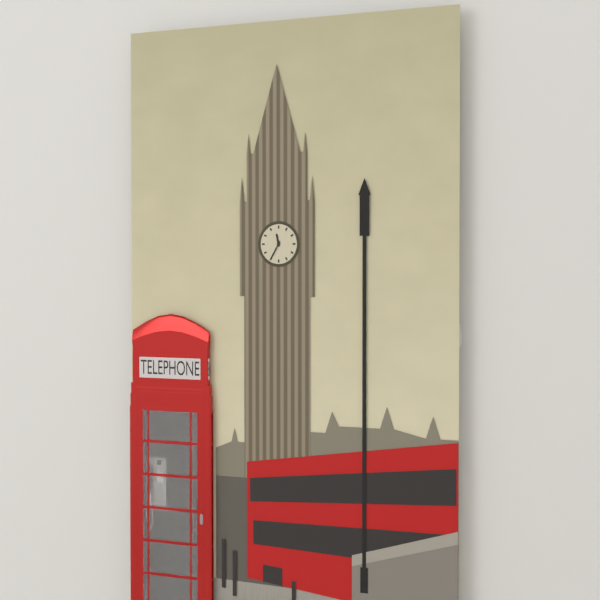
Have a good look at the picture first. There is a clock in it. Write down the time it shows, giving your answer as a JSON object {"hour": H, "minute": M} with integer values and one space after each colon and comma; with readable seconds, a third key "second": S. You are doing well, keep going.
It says {"hour": 11, "minute": 35}
